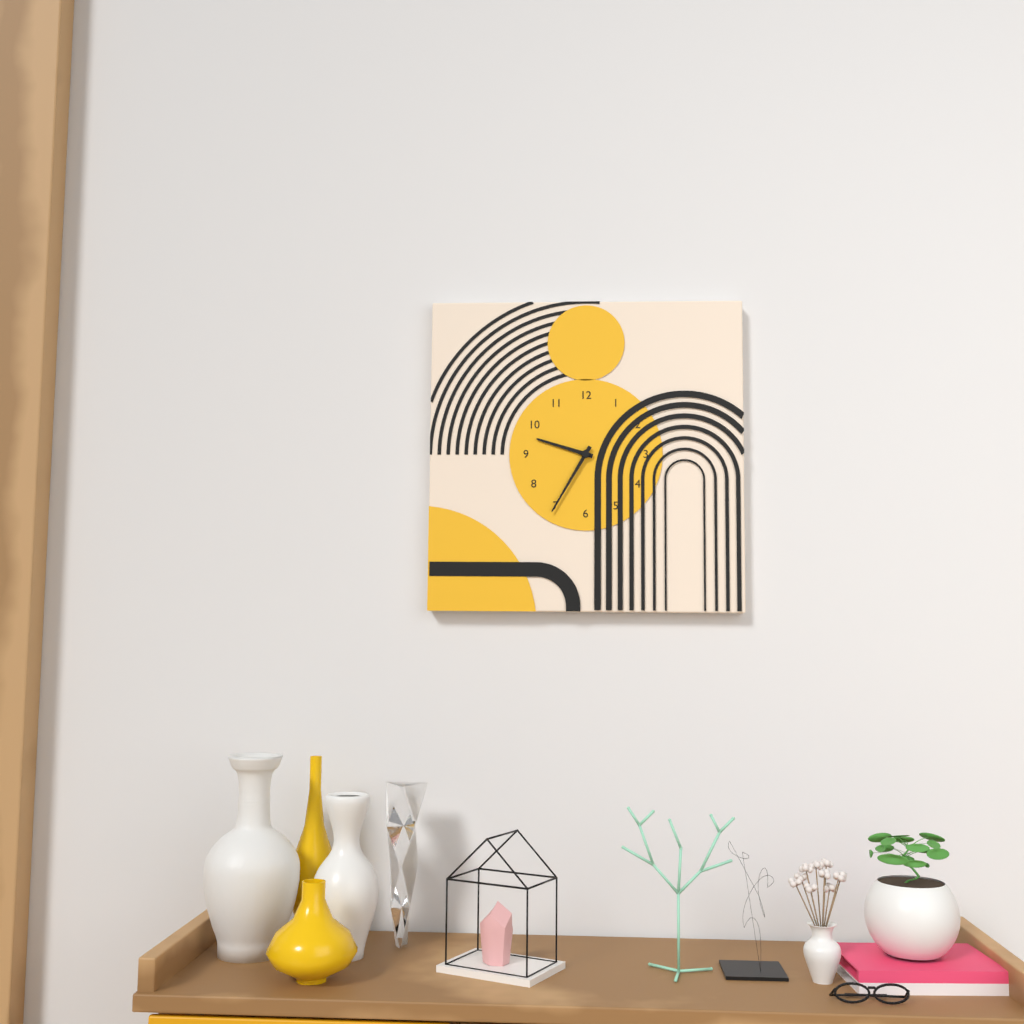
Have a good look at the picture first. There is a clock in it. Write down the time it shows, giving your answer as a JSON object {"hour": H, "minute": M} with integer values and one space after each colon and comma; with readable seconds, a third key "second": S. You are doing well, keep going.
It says {"hour": 9, "minute": 35}
